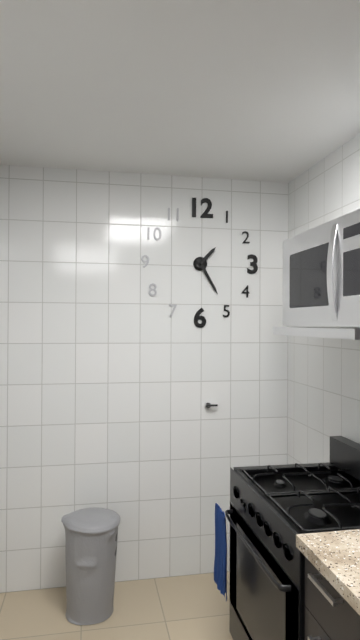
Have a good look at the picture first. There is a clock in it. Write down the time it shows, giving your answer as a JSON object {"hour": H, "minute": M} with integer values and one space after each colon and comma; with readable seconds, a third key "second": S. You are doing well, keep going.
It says {"hour": 1, "minute": 25}
